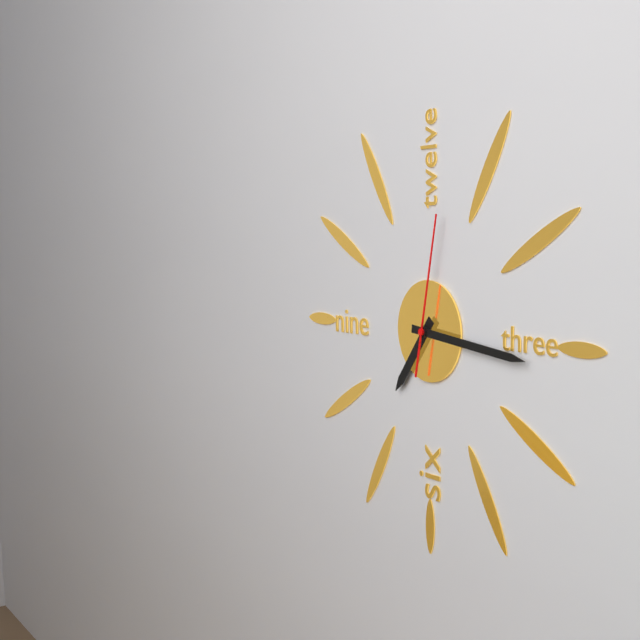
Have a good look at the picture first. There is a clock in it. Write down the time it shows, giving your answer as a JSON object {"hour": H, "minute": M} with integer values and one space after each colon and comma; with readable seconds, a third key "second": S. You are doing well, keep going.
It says {"hour": 7, "minute": 16, "second": 2}
